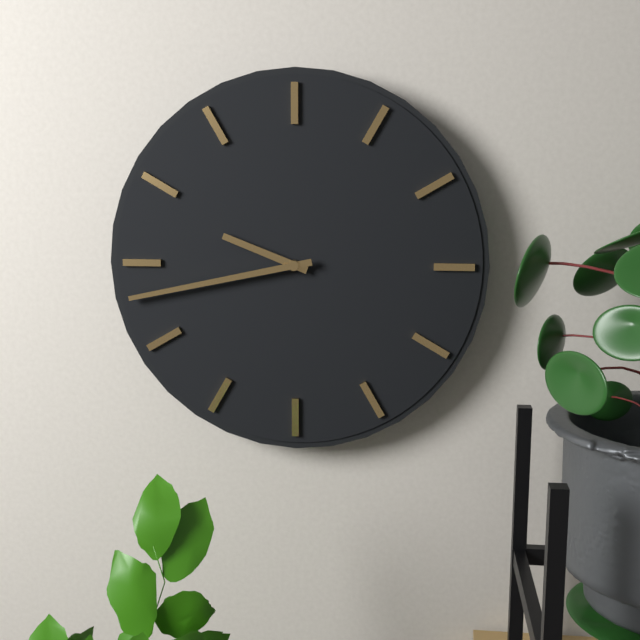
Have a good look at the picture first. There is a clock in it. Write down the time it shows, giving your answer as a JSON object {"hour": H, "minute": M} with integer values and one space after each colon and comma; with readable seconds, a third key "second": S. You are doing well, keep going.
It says {"hour": 9, "minute": 43}
